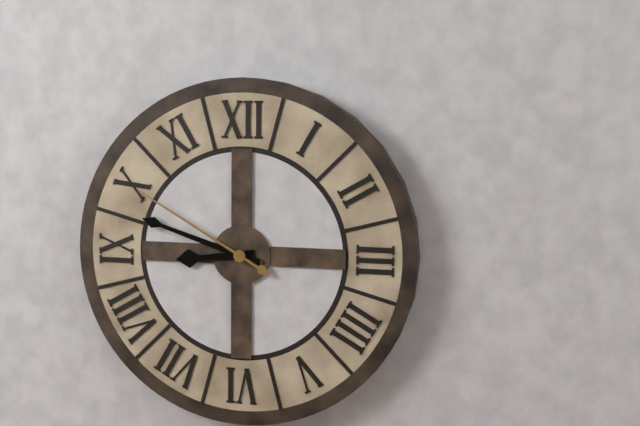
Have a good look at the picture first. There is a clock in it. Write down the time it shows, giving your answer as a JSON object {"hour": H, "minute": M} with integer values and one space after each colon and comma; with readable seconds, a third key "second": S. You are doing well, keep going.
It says {"hour": 8, "minute": 48, "second": 50}
